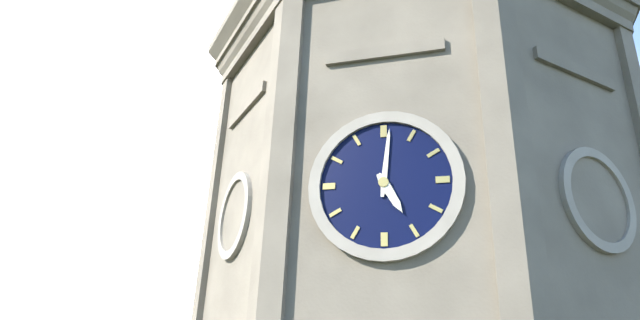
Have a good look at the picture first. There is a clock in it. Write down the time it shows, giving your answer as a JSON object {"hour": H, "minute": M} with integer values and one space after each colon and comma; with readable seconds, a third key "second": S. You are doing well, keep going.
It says {"hour": 5, "minute": 1}
